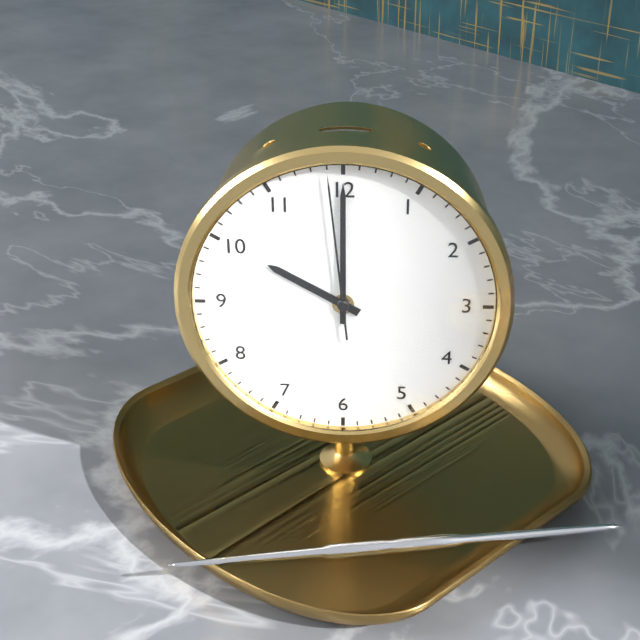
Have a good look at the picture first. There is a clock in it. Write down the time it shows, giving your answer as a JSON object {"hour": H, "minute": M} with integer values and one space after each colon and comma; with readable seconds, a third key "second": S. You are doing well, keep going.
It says {"hour": 10, "minute": 0, "second": 59}
